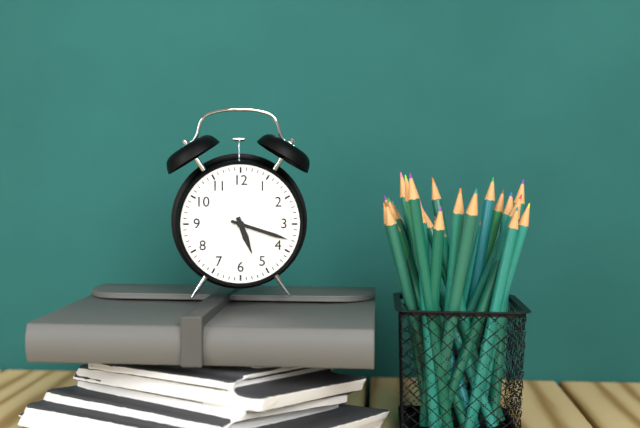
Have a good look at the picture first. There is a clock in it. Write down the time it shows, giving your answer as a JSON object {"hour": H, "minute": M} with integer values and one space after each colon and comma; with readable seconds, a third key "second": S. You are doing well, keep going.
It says {"hour": 5, "minute": 18}
